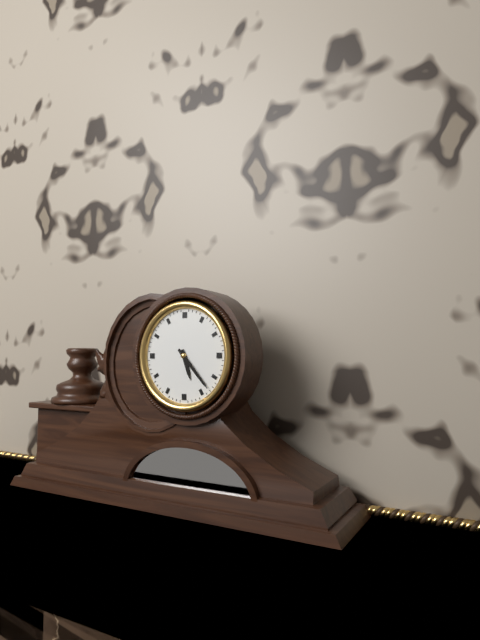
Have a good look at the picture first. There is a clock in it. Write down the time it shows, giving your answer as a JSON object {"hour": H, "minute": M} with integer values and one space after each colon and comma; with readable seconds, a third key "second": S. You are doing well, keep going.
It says {"hour": 5, "minute": 23}
